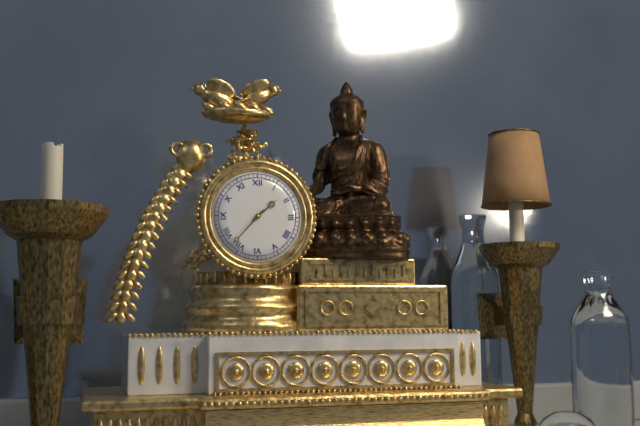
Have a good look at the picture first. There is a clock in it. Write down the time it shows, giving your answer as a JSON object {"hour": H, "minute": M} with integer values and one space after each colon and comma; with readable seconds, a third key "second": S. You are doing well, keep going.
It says {"hour": 1, "minute": 37}
